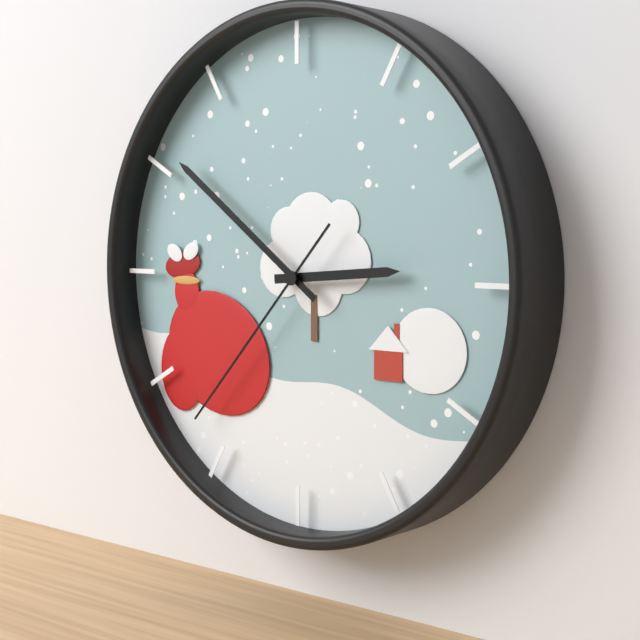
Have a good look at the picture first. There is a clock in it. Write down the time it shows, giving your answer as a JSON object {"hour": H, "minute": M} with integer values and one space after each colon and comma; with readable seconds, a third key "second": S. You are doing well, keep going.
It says {"hour": 2, "minute": 51, "second": 37}
